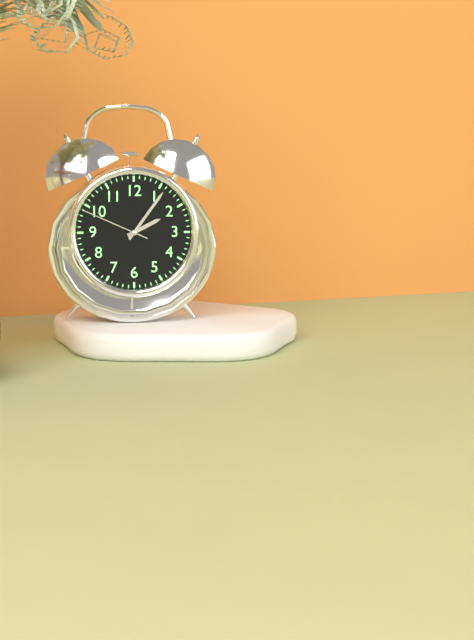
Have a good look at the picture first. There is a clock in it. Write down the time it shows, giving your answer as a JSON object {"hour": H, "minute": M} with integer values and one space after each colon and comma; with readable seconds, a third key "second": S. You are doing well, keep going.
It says {"hour": 2, "minute": 6, "second": 49}
